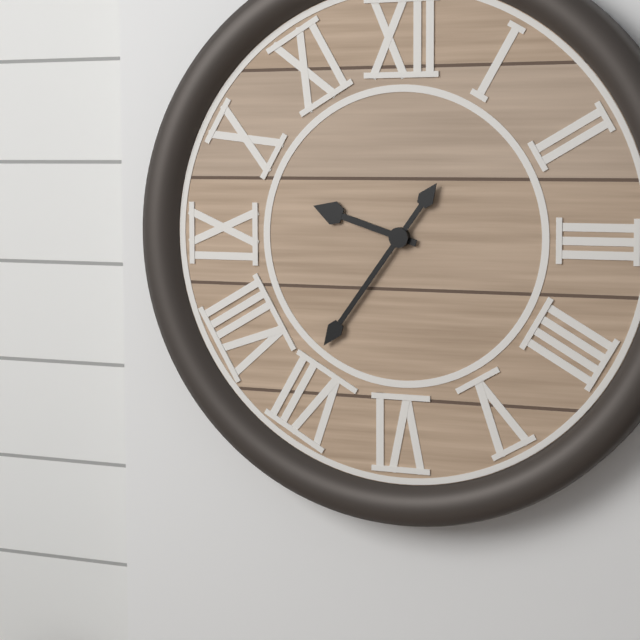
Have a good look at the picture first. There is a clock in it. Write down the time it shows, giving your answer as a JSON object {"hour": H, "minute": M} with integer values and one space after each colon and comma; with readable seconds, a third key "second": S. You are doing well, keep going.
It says {"hour": 9, "minute": 36}
